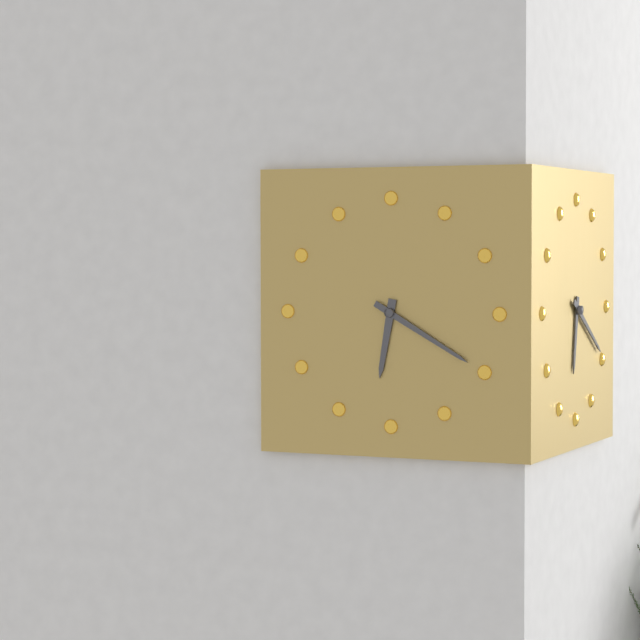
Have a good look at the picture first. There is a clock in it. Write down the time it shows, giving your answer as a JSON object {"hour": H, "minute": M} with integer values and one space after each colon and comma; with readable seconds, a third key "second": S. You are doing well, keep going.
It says {"hour": 6, "minute": 20}
